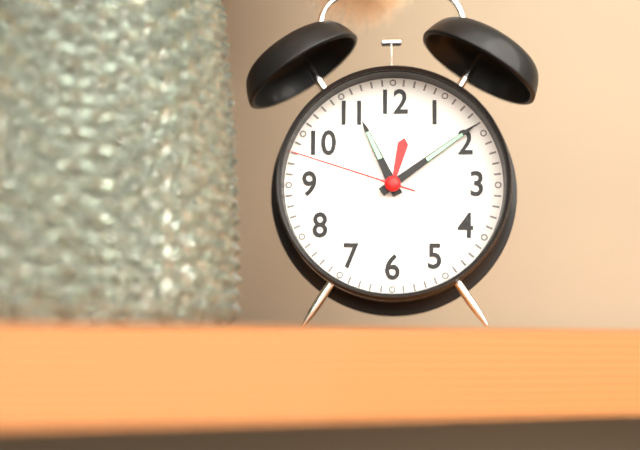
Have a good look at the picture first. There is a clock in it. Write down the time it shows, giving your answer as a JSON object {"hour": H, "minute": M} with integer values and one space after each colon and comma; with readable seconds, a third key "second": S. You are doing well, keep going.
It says {"hour": 11, "minute": 9, "second": 48}
